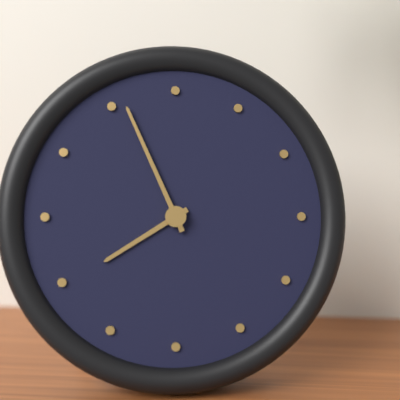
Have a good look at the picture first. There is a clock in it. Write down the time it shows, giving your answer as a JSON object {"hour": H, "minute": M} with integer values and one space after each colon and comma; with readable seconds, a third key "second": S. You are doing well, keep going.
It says {"hour": 7, "minute": 56}
